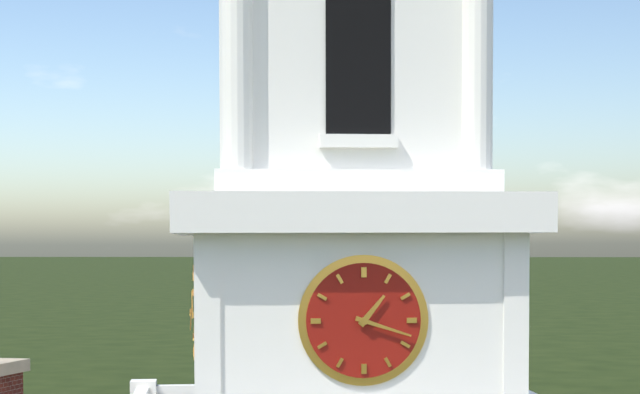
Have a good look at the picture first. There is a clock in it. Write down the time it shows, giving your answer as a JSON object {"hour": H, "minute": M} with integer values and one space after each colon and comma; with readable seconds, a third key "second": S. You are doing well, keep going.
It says {"hour": 1, "minute": 18}
